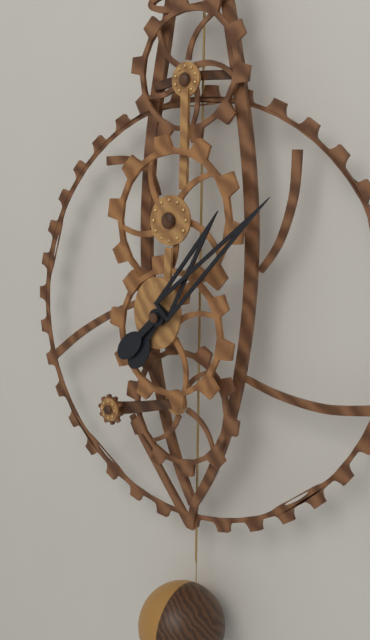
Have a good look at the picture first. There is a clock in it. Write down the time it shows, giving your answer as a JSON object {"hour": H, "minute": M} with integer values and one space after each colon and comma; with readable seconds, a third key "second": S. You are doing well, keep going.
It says {"hour": 1, "minute": 8}
